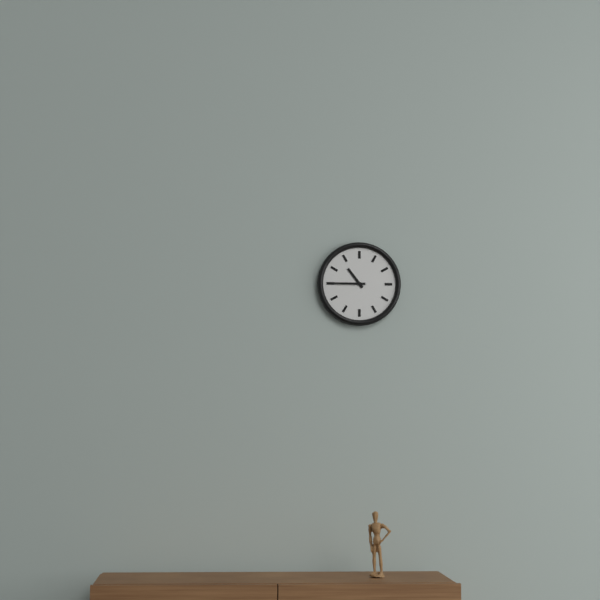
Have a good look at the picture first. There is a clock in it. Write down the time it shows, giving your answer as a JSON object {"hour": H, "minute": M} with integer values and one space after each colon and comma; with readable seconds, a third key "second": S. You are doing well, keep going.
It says {"hour": 10, "minute": 45}
